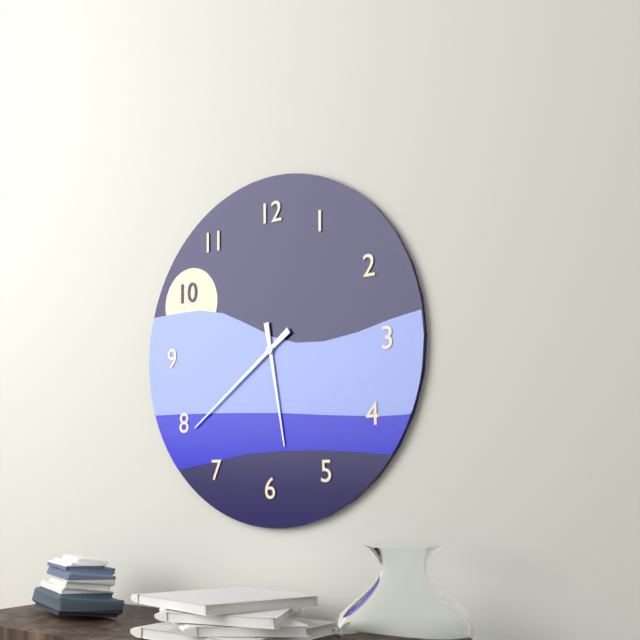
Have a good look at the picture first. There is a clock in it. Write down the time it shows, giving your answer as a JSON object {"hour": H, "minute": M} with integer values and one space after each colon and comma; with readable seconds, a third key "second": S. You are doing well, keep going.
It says {"hour": 5, "minute": 39}
